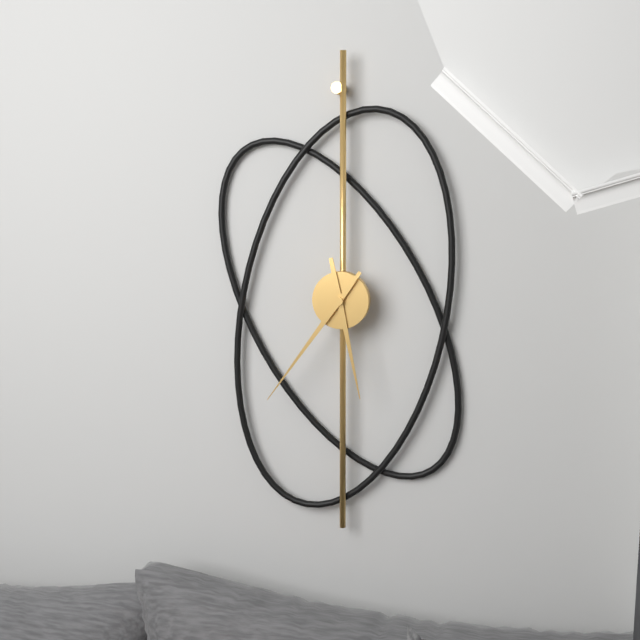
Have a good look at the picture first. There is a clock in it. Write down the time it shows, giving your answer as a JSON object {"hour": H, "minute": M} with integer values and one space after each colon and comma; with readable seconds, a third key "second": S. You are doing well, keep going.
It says {"hour": 5, "minute": 36}
